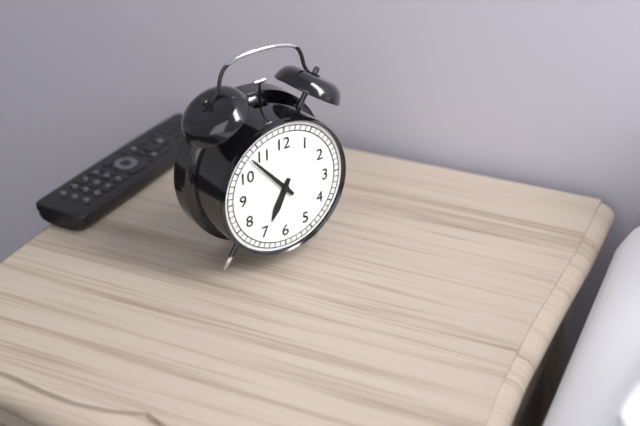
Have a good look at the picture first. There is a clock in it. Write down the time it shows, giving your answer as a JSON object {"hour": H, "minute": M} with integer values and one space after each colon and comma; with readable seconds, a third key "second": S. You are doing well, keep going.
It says {"hour": 6, "minute": 53}
